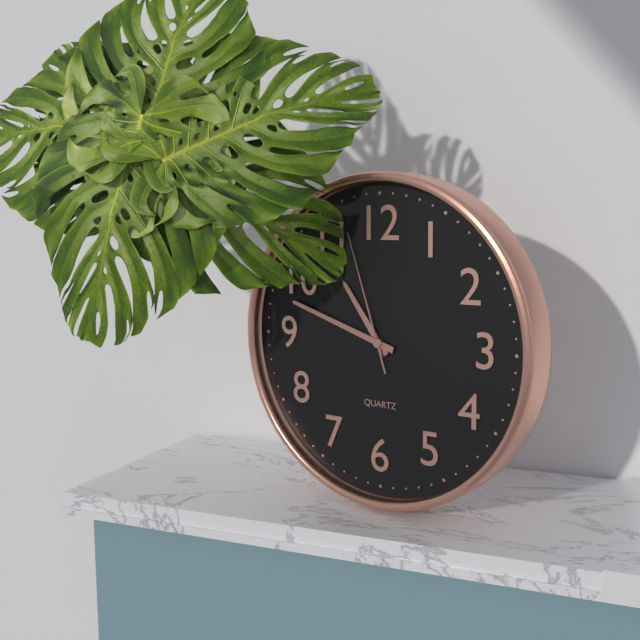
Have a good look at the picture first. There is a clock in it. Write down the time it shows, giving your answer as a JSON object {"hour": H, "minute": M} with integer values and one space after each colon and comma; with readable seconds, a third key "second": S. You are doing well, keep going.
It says {"hour": 10, "minute": 48, "second": 57}
